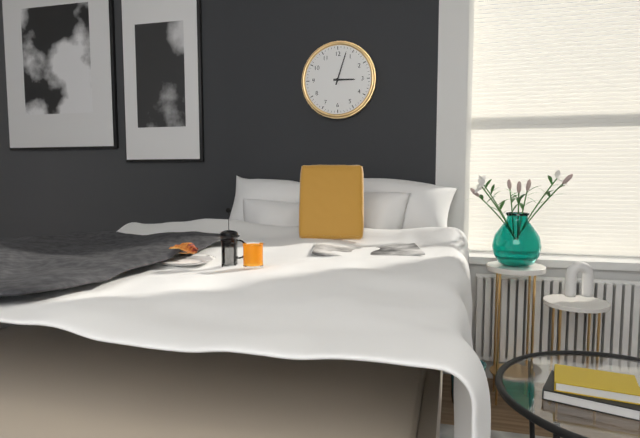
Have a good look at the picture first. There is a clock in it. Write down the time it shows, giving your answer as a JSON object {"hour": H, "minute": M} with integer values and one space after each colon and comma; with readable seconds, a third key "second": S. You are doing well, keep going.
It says {"hour": 3, "minute": 3}
